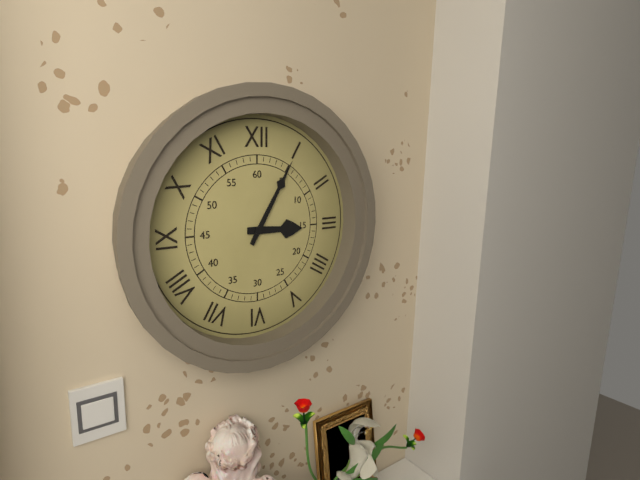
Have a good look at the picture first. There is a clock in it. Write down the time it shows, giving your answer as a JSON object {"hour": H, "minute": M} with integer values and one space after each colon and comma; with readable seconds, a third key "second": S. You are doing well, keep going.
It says {"hour": 3, "minute": 5}
